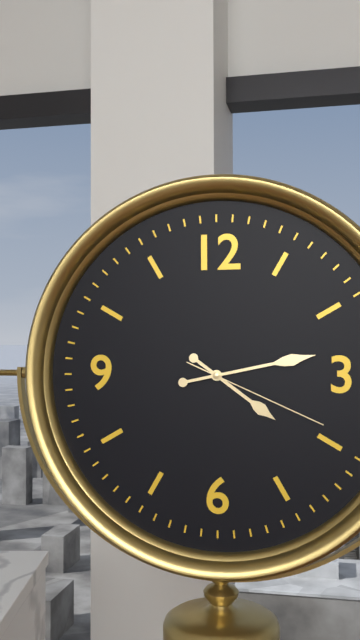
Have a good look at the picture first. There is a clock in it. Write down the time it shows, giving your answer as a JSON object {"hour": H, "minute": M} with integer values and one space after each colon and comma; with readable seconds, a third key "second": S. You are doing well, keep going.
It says {"hour": 4, "minute": 13, "second": 19}
